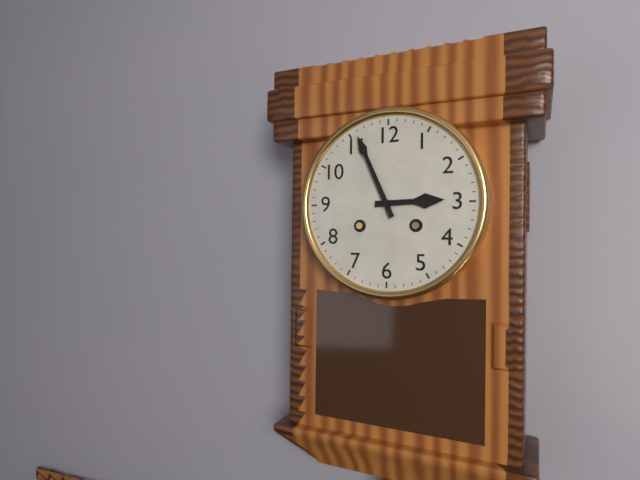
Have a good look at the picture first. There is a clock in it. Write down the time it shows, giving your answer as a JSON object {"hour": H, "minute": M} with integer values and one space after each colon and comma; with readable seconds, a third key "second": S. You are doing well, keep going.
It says {"hour": 2, "minute": 56}
